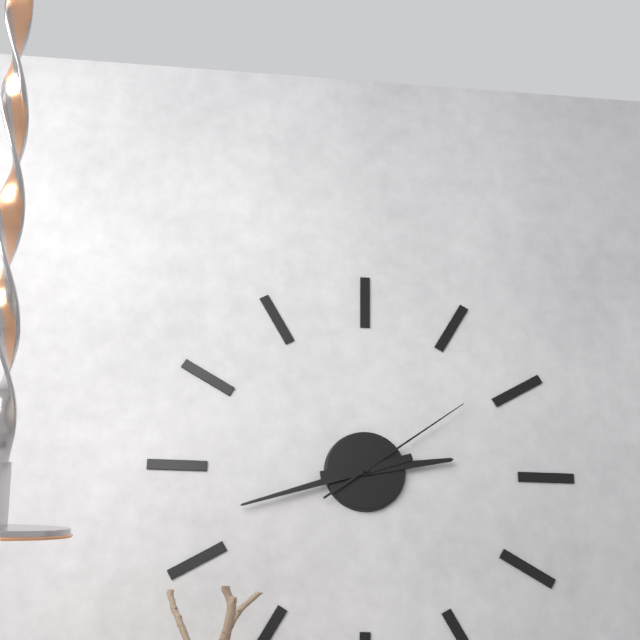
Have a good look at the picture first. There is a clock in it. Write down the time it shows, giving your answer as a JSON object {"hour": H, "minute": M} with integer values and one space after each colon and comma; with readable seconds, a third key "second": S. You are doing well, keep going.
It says {"hour": 2, "minute": 42, "second": 9}
